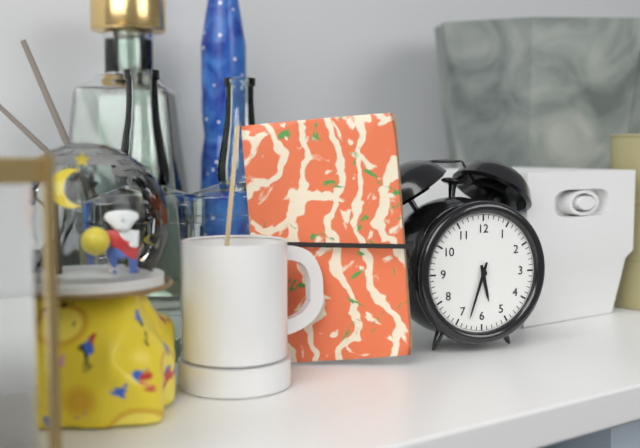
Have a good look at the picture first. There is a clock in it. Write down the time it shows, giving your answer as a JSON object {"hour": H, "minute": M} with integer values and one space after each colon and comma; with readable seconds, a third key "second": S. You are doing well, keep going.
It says {"hour": 5, "minute": 33}
